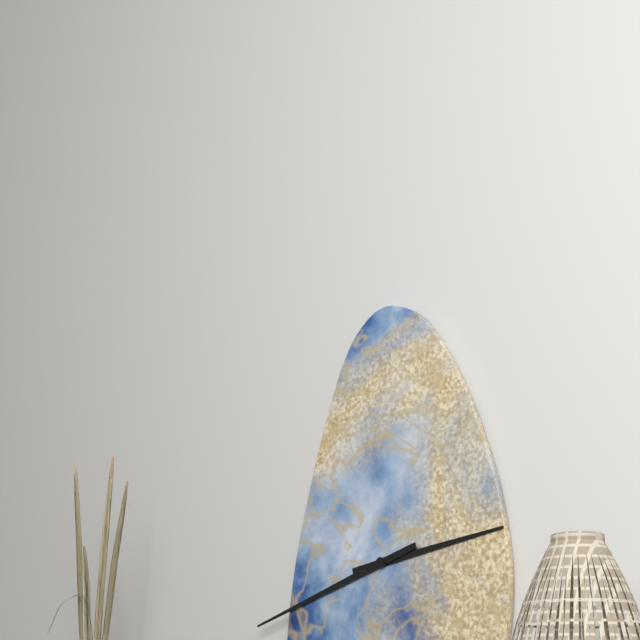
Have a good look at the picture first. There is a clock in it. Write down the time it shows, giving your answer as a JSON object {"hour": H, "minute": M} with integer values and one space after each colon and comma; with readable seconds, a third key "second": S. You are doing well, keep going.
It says {"hour": 2, "minute": 42}
